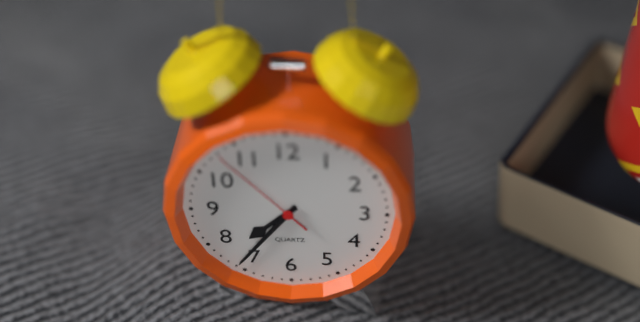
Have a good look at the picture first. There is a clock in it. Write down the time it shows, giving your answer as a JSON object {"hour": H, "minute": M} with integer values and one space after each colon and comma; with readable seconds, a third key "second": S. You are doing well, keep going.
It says {"hour": 7, "minute": 36, "second": 53}
